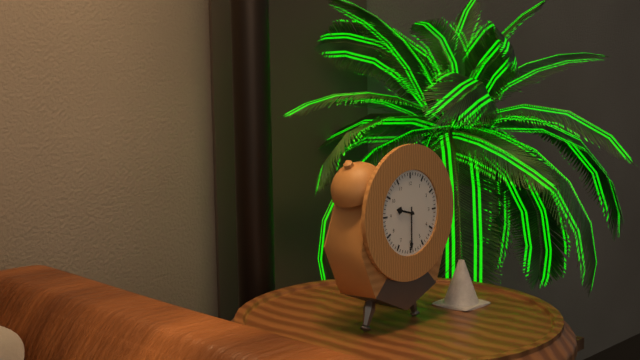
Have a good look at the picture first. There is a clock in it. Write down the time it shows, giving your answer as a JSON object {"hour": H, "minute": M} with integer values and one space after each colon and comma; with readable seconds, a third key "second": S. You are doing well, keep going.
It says {"hour": 9, "minute": 30}
